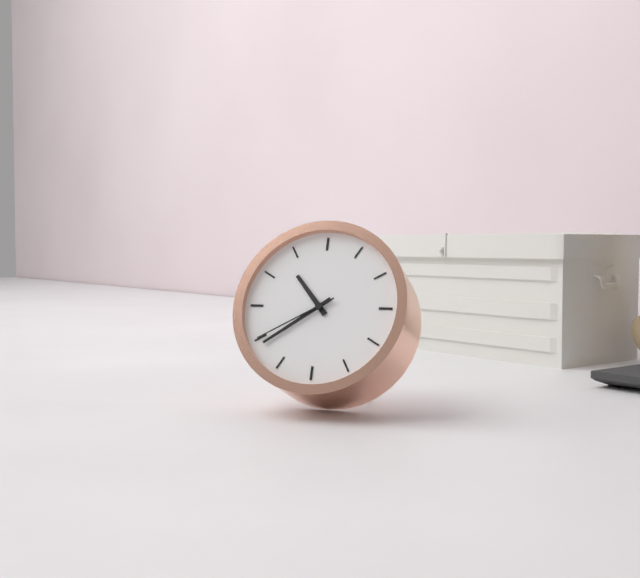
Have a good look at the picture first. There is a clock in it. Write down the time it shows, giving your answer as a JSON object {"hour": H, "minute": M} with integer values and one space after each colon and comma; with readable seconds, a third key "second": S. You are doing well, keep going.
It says {"hour": 10, "minute": 39, "second": 40}
